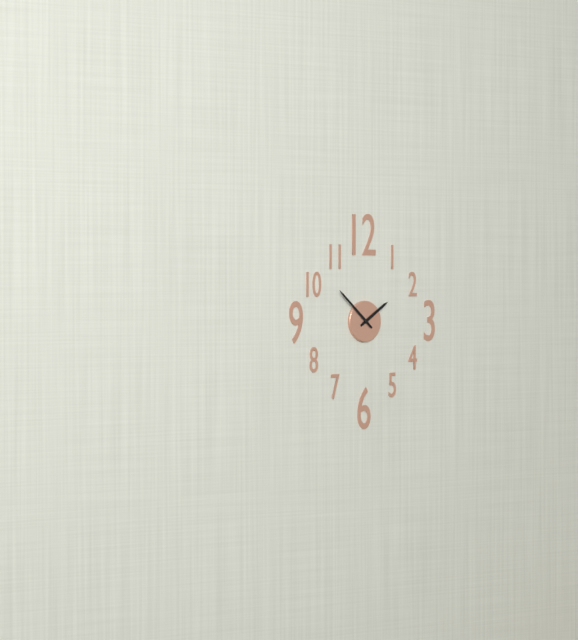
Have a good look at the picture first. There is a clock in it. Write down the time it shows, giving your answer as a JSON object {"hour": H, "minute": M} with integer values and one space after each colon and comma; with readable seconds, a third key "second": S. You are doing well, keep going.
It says {"hour": 1, "minute": 52}
